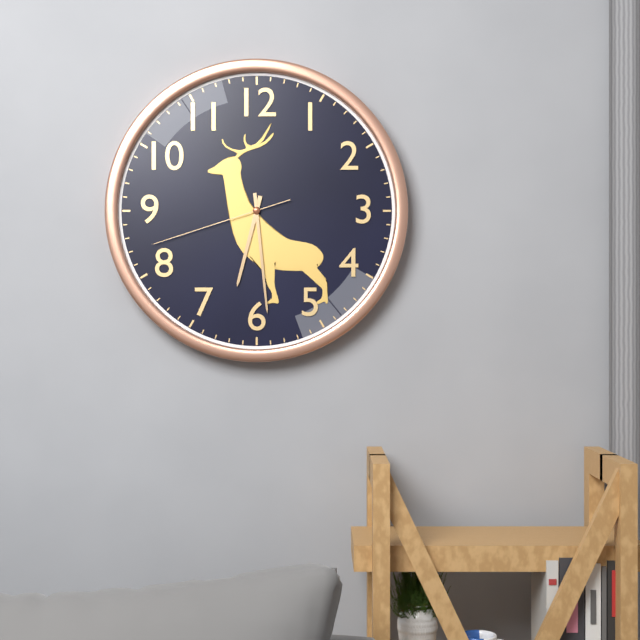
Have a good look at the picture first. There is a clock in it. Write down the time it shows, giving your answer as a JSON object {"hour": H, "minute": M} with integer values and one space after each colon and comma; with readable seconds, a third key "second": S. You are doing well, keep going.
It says {"hour": 6, "minute": 29, "second": 42}
